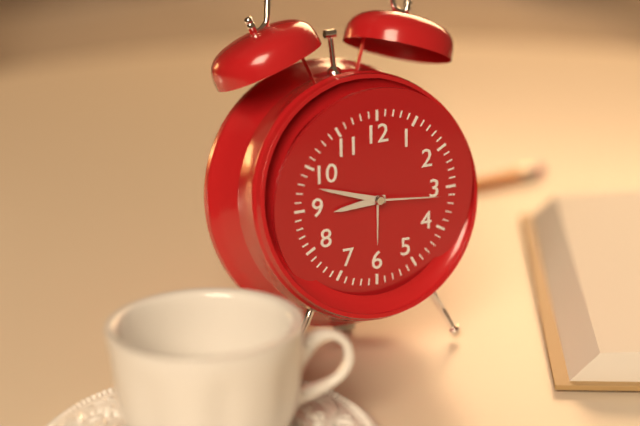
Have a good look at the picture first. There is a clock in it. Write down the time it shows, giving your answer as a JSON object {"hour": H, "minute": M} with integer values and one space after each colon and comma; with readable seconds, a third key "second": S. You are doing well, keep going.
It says {"hour": 8, "minute": 48, "second": 16}
